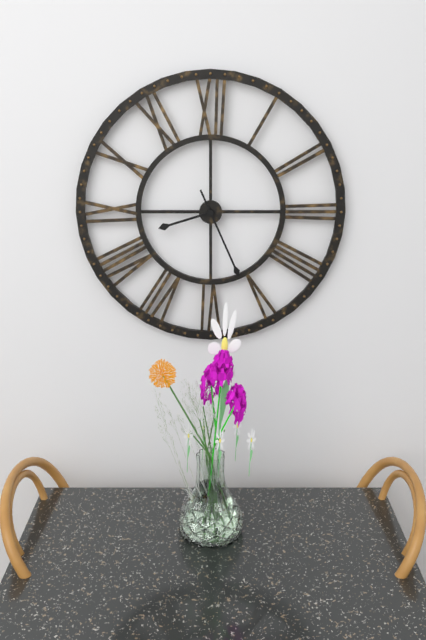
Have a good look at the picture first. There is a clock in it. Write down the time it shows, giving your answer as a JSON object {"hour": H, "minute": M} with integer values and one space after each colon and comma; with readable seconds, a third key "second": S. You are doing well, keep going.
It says {"hour": 8, "minute": 26}
